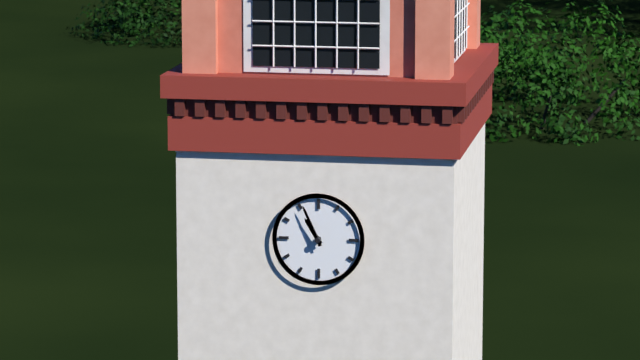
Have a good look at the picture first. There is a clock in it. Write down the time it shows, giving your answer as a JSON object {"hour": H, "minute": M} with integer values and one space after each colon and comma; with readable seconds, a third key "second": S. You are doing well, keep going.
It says {"hour": 10, "minute": 56}
